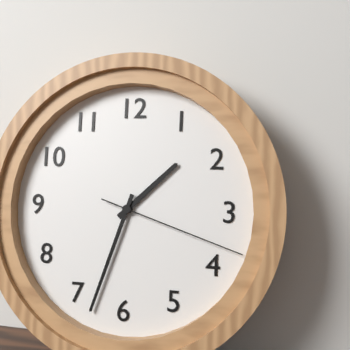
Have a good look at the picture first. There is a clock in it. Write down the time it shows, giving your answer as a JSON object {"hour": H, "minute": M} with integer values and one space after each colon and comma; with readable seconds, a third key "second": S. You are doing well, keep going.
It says {"hour": 1, "minute": 33, "second": 18}
